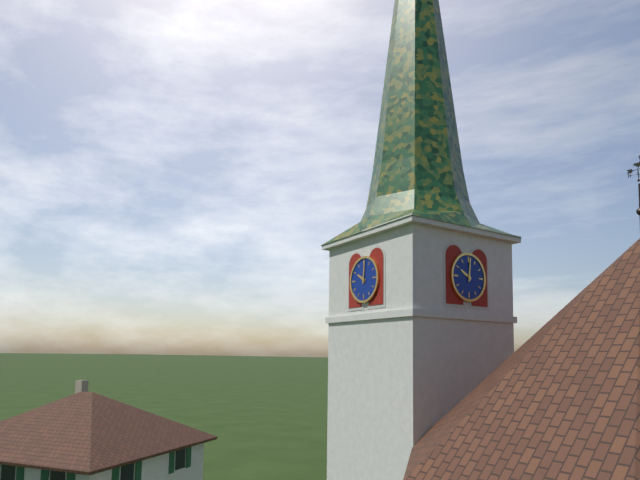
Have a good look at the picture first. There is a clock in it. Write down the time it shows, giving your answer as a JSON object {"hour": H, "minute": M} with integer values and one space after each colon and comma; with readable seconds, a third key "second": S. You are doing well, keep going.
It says {"hour": 10, "minute": 1}
